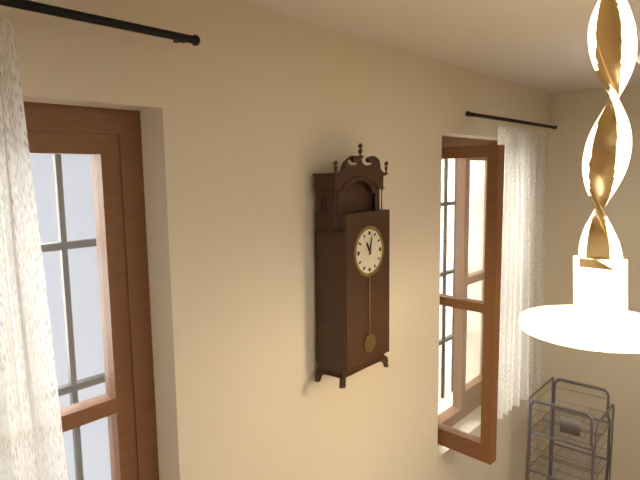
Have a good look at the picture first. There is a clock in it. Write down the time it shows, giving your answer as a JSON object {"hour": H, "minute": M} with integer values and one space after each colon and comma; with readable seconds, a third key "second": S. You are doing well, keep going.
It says {"hour": 11, "minute": 2}
